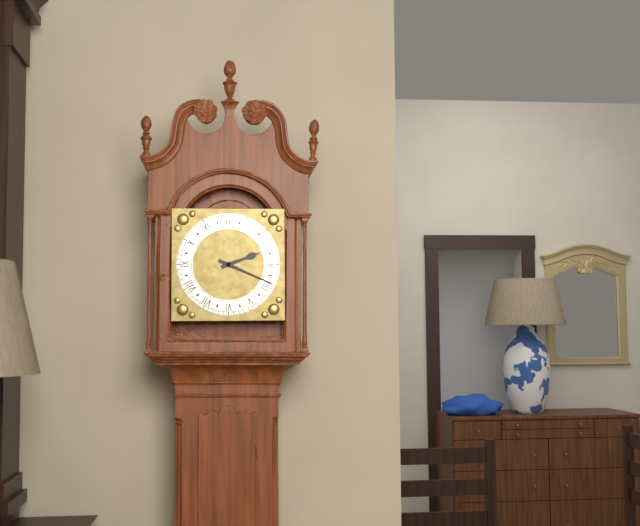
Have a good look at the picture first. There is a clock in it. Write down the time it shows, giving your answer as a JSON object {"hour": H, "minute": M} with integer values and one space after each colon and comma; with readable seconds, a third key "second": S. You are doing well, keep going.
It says {"hour": 2, "minute": 19}
